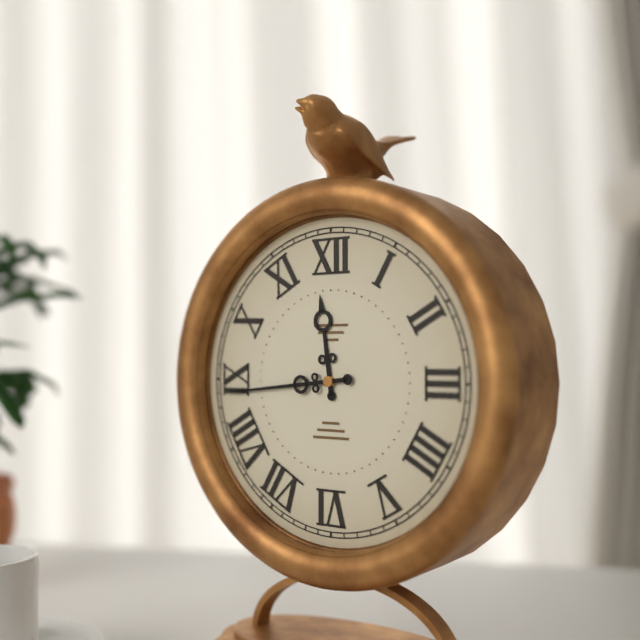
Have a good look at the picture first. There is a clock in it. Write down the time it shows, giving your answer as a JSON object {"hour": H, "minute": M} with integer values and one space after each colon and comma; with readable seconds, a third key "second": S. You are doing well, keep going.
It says {"hour": 11, "minute": 44}
